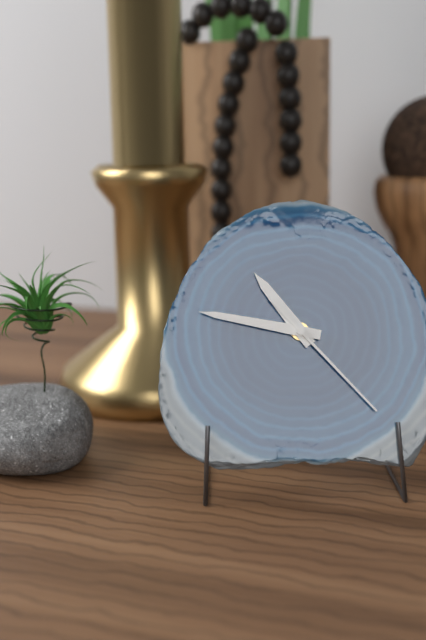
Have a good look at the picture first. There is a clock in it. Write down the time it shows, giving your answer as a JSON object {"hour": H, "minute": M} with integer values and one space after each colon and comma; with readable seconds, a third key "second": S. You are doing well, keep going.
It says {"hour": 10, "minute": 47, "second": 23}
